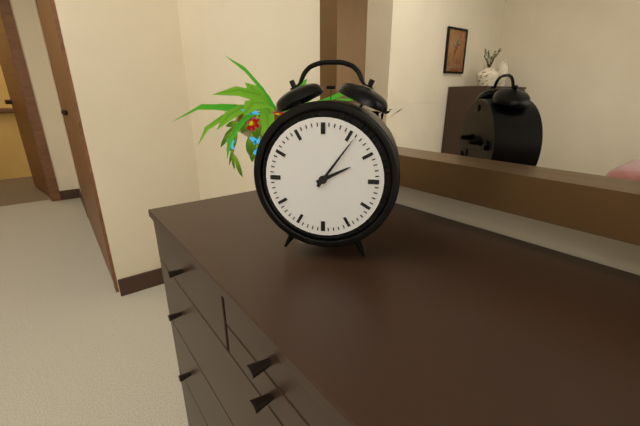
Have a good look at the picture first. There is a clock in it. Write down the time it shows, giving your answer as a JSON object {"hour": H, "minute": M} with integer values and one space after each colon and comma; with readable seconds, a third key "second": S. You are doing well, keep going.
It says {"hour": 2, "minute": 6}
